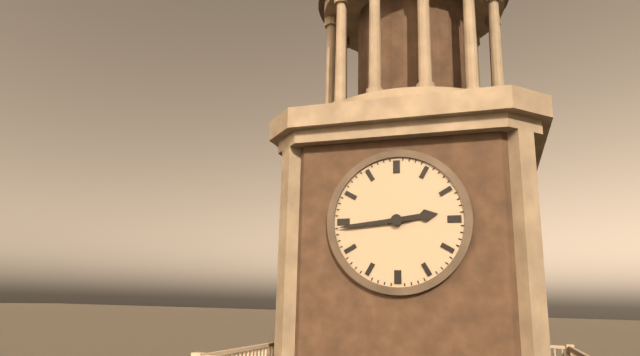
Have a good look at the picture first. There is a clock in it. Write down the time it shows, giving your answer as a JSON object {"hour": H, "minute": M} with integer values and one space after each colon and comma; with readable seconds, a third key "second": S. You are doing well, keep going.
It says {"hour": 2, "minute": 44}
